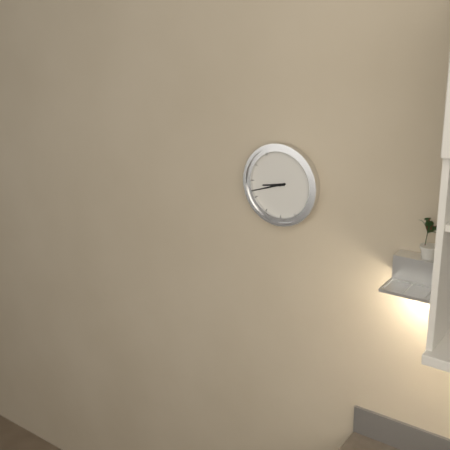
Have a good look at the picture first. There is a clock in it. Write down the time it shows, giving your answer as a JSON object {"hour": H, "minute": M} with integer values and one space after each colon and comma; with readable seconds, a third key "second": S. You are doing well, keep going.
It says {"hour": 8, "minute": 42}
